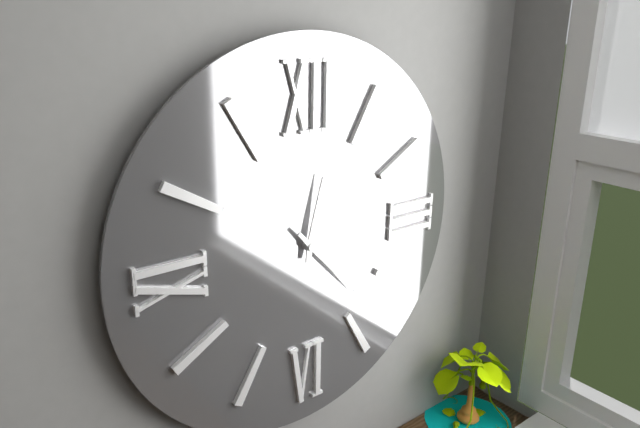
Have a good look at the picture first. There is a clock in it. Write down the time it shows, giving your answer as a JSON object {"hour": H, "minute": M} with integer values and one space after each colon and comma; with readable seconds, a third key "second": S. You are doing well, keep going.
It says {"hour": 12, "minute": 23}
